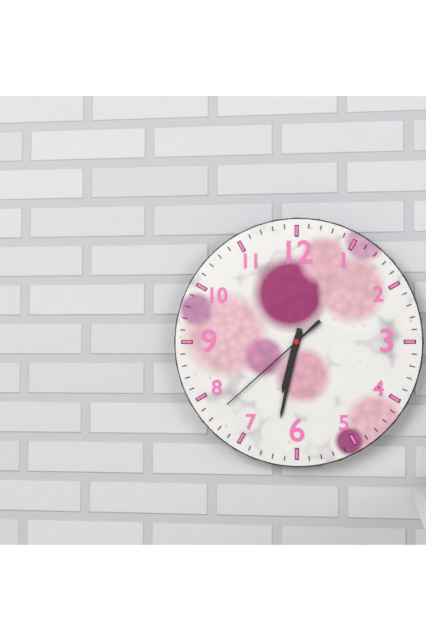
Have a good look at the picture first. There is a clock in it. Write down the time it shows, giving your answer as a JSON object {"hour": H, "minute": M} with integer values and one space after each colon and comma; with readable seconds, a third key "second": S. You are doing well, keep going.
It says {"hour": 6, "minute": 32, "second": 38}
